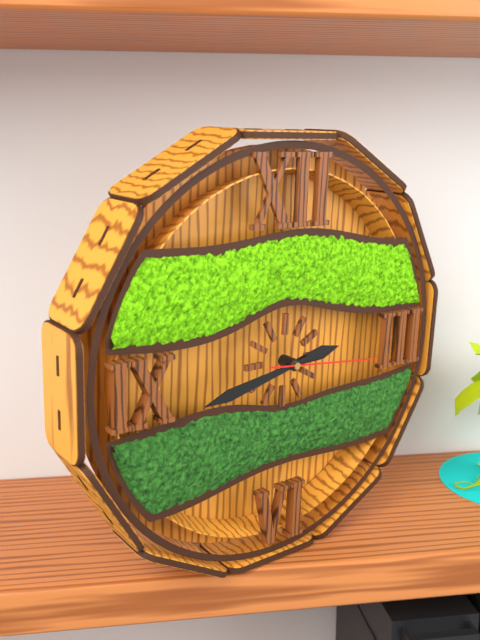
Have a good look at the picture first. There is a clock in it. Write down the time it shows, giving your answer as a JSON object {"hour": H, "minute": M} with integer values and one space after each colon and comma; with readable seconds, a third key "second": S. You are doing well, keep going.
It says {"hour": 2, "minute": 43, "second": 16}
